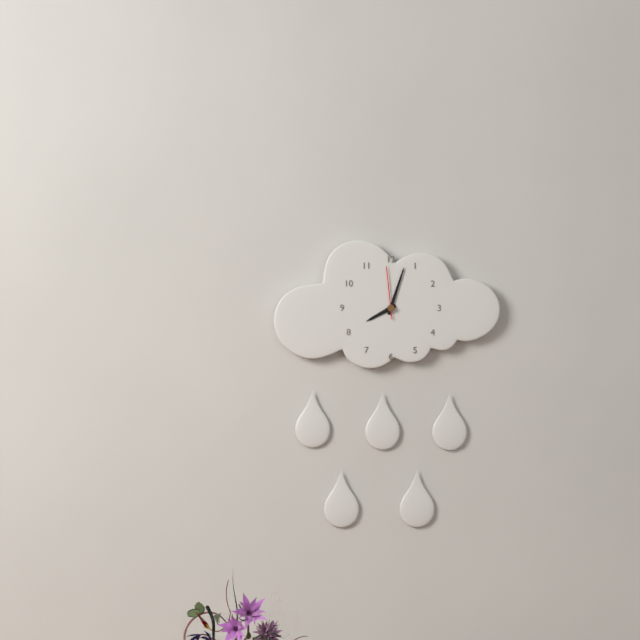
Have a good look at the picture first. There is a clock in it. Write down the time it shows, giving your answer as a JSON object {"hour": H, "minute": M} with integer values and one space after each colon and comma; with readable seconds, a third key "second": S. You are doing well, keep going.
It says {"hour": 8, "minute": 3, "second": 59}
